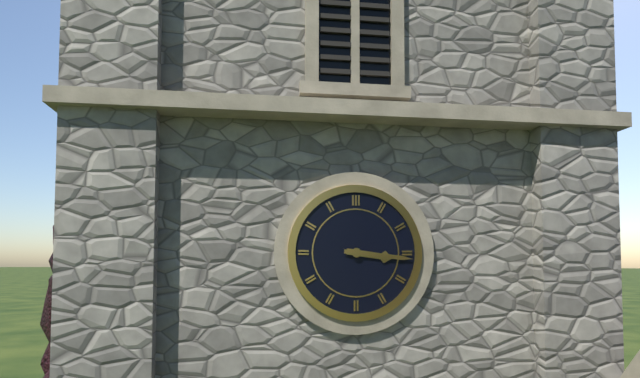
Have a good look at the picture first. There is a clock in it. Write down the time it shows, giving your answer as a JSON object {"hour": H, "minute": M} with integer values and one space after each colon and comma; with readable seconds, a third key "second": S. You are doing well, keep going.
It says {"hour": 3, "minute": 16}
